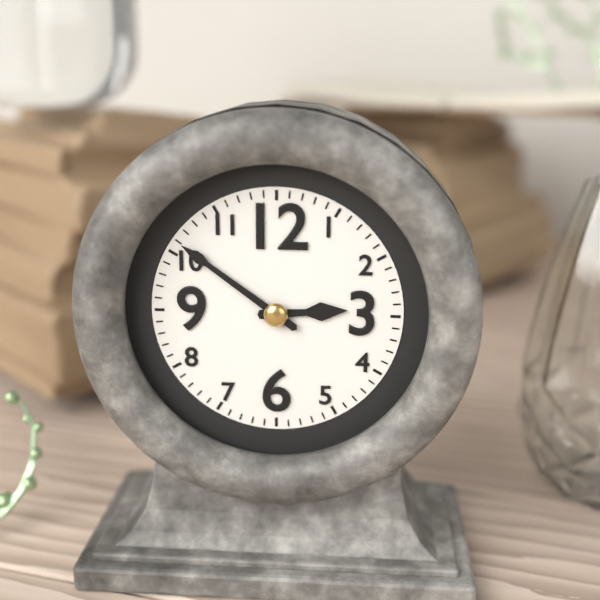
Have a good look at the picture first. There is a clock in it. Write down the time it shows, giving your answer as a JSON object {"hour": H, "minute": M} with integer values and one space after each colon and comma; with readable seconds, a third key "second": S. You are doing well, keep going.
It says {"hour": 2, "minute": 51}
